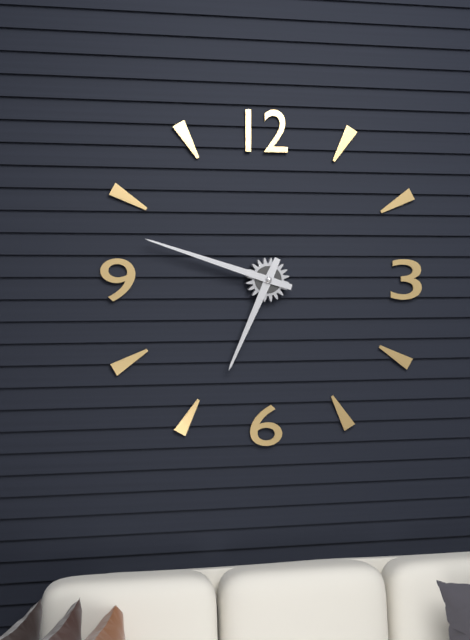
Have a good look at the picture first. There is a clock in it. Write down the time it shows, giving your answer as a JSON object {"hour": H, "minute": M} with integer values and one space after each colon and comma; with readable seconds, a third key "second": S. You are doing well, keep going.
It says {"hour": 6, "minute": 48}
